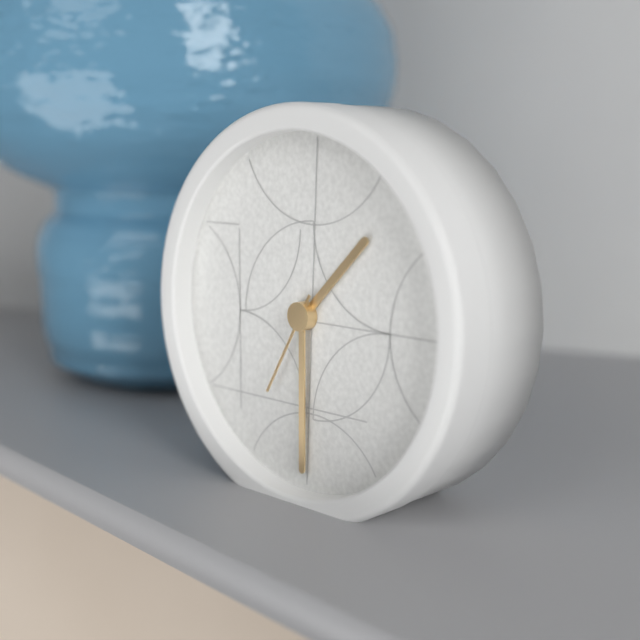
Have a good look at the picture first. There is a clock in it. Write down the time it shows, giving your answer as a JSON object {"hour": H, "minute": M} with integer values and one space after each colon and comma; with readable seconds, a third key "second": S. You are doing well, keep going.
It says {"hour": 1, "minute": 30, "second": 35}
